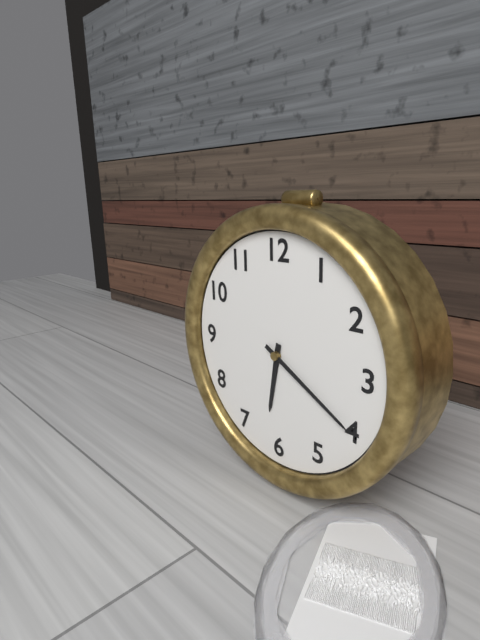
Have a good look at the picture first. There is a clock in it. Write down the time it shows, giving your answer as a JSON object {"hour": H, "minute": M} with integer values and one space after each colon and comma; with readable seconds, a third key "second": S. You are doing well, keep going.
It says {"hour": 6, "minute": 20}
